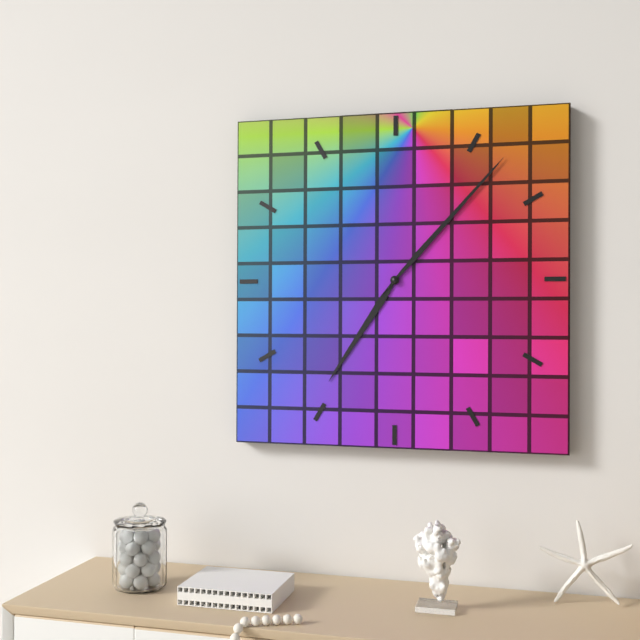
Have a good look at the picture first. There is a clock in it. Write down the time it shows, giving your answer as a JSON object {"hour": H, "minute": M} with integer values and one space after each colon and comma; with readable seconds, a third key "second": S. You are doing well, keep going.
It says {"hour": 7, "minute": 7}
